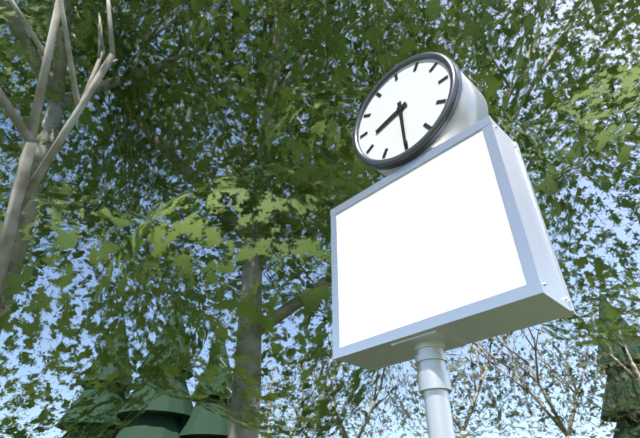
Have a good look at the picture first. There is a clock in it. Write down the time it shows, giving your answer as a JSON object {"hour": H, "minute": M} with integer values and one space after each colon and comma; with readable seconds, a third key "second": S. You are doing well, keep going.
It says {"hour": 8, "minute": 30}
